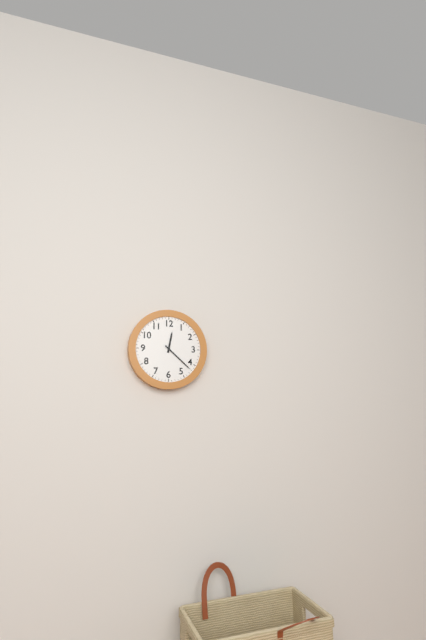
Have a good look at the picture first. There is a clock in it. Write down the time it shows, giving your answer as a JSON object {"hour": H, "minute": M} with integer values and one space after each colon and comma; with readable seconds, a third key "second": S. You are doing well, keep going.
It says {"hour": 12, "minute": 22}
